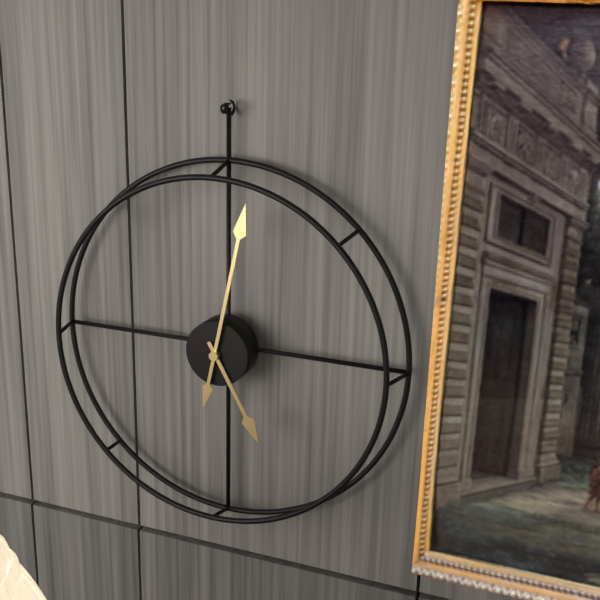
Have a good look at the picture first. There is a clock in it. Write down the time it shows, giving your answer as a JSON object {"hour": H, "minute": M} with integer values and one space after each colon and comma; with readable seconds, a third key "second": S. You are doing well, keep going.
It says {"hour": 5, "minute": 2}
